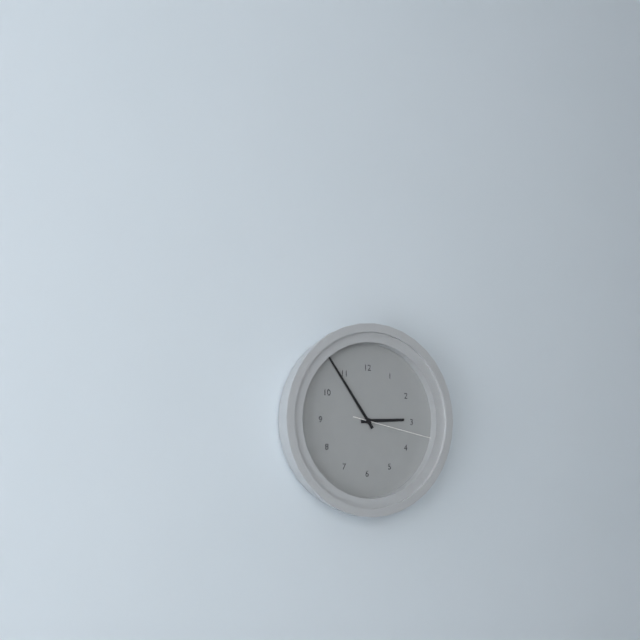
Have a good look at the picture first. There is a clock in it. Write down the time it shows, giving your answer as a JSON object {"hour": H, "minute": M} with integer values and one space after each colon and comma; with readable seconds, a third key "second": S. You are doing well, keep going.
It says {"hour": 2, "minute": 54, "second": 17}
